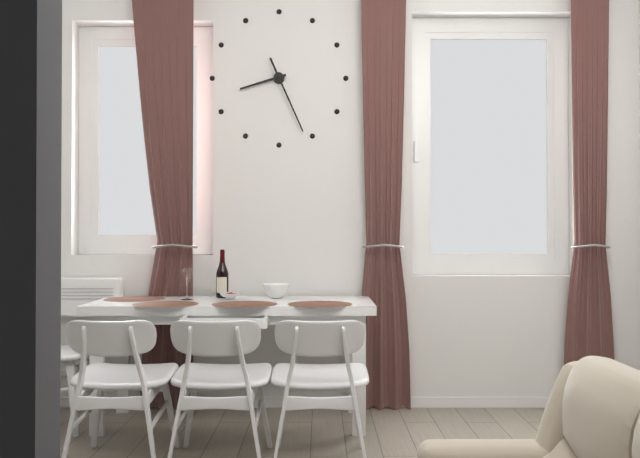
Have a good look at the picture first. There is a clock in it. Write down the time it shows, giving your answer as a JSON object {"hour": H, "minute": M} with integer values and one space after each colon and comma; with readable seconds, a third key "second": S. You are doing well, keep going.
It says {"hour": 8, "minute": 26}
